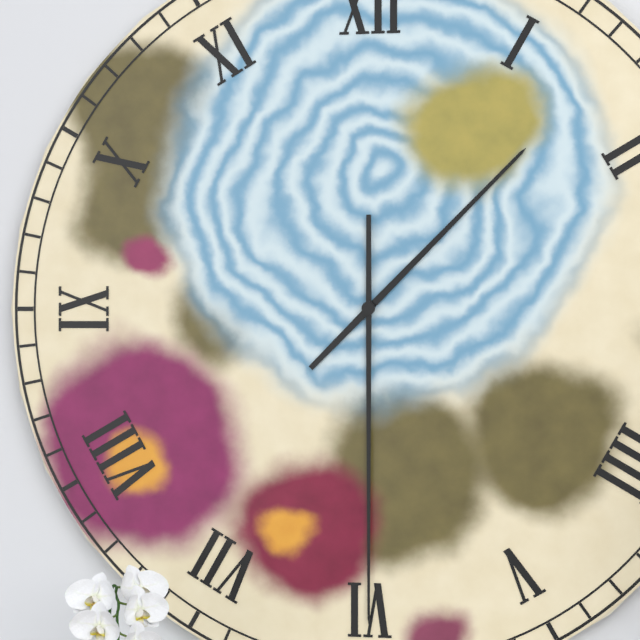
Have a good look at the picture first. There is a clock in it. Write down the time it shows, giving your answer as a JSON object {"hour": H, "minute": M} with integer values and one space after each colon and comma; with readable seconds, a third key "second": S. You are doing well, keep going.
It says {"hour": 1, "minute": 30}
